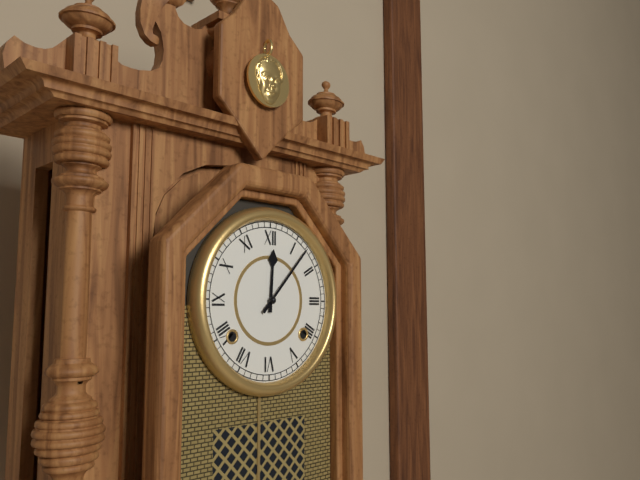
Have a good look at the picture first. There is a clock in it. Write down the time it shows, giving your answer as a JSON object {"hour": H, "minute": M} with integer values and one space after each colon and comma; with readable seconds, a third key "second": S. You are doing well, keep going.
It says {"hour": 12, "minute": 7}
